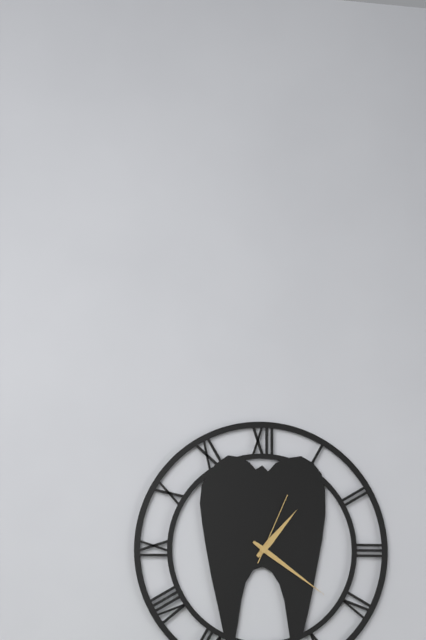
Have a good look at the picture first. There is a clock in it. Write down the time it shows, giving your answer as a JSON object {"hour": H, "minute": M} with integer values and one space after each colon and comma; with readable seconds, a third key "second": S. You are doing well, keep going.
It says {"hour": 1, "minute": 21, "second": 4}
